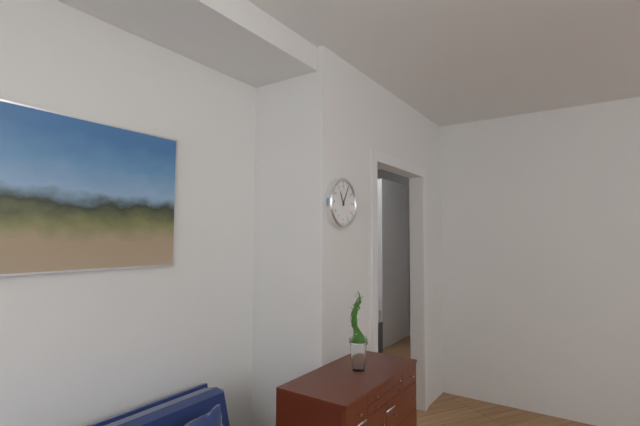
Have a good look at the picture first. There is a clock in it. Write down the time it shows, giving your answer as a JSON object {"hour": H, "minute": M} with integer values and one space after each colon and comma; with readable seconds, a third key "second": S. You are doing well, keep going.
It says {"hour": 11, "minute": 5}
